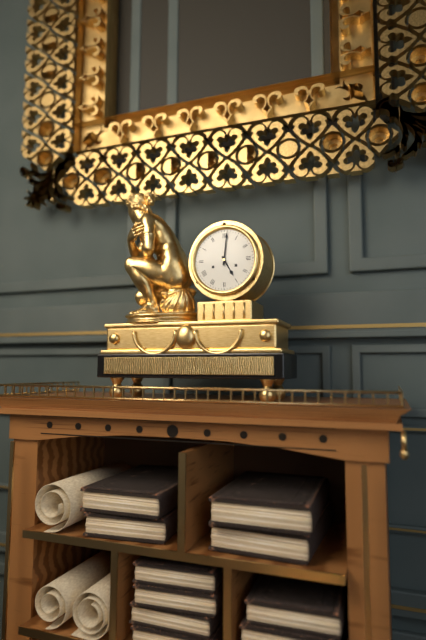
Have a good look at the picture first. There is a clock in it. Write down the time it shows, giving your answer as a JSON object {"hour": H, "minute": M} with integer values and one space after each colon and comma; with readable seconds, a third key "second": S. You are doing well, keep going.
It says {"hour": 5, "minute": 1}
